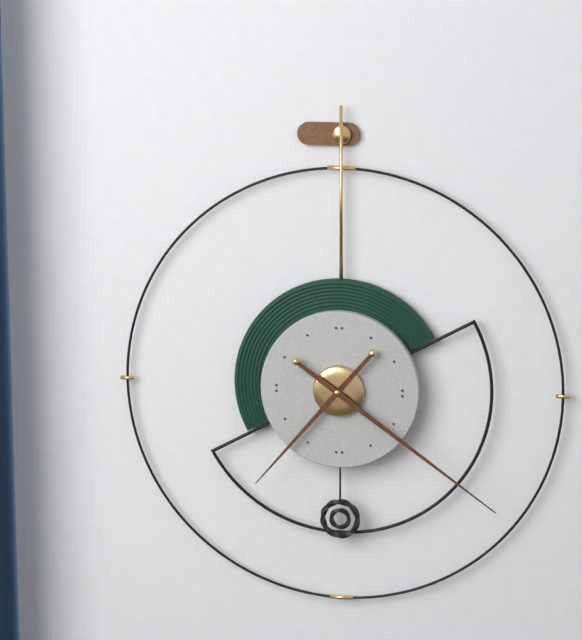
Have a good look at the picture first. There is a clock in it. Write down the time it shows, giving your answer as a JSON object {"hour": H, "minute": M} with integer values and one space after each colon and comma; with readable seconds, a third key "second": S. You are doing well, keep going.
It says {"hour": 7, "minute": 21}
